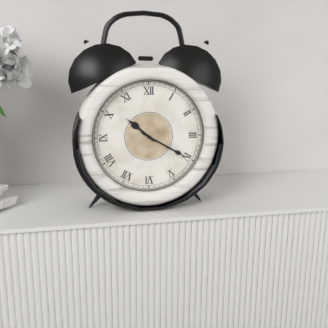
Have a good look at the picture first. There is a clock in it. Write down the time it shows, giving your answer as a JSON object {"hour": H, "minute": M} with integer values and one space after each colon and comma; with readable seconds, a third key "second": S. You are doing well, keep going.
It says {"hour": 10, "minute": 20}
